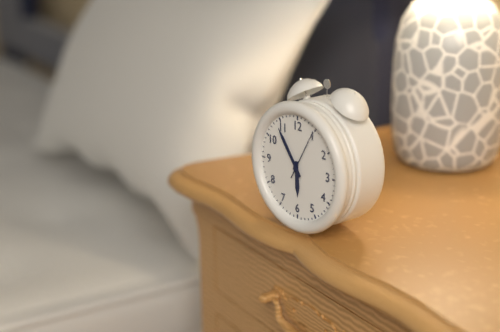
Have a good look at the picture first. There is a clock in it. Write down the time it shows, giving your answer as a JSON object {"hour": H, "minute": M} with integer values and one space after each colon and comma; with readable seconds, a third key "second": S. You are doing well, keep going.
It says {"hour": 5, "minute": 54}
